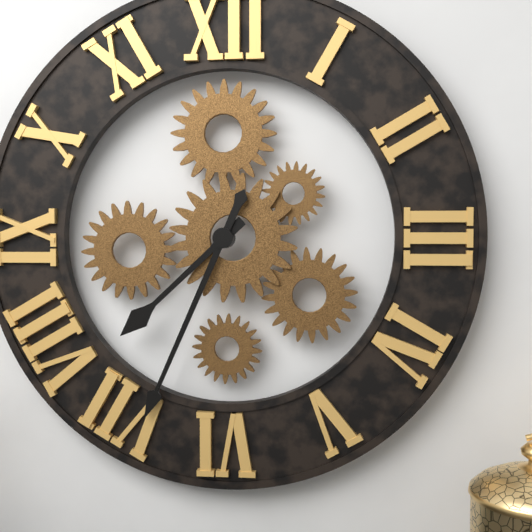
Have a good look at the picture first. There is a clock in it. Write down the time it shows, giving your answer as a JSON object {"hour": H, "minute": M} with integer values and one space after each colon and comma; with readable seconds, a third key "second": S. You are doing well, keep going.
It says {"hour": 7, "minute": 34}
